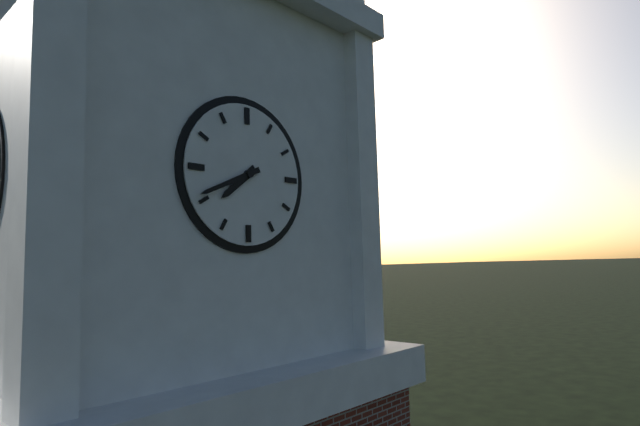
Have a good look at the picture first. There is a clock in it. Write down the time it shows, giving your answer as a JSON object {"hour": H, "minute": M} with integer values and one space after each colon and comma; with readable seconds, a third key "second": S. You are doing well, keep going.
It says {"hour": 7, "minute": 41}
